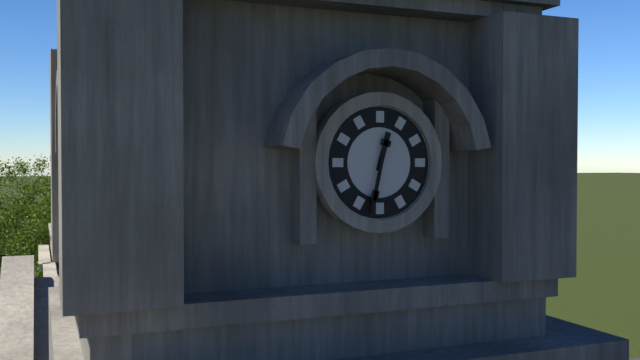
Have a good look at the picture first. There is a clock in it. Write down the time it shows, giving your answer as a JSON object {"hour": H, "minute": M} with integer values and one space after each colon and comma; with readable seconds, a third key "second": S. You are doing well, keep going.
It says {"hour": 12, "minute": 32}
